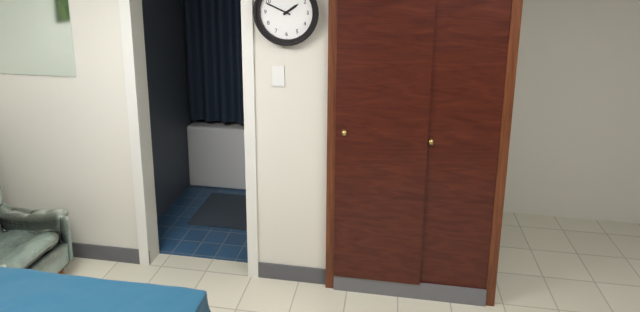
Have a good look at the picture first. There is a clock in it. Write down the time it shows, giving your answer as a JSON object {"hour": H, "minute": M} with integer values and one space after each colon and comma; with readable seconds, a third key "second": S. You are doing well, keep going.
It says {"hour": 1, "minute": 49}
